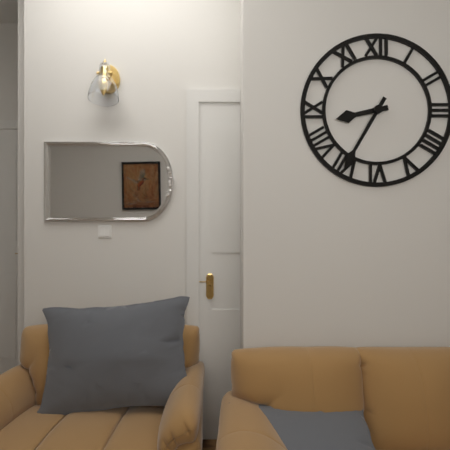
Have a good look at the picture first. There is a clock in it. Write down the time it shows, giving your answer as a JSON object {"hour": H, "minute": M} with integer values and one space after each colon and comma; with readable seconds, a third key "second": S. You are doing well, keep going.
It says {"hour": 8, "minute": 35}
